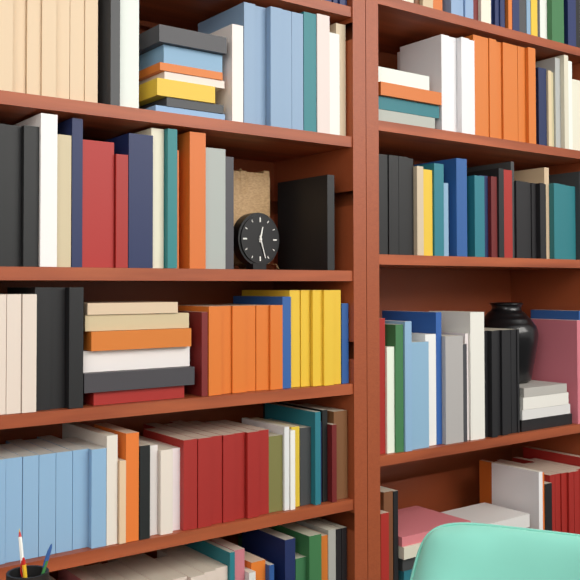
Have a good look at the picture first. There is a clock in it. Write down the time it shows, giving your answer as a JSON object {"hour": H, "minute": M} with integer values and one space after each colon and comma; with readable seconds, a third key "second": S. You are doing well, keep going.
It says {"hour": 12, "minute": 27}
